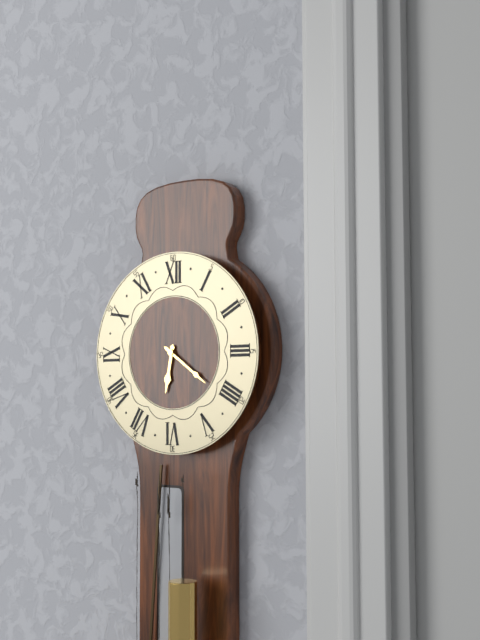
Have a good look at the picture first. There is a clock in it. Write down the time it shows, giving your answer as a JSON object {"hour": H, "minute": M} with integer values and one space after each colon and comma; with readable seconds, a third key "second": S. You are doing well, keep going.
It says {"hour": 6, "minute": 21}
